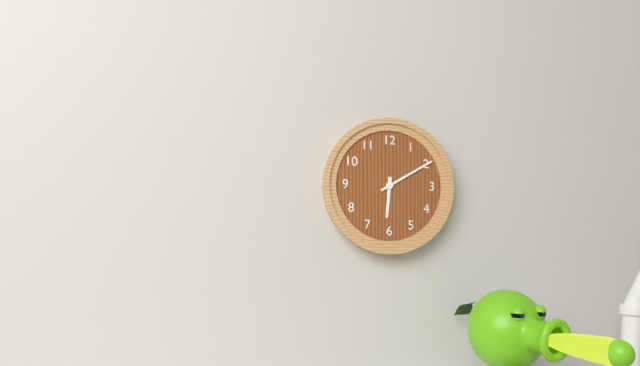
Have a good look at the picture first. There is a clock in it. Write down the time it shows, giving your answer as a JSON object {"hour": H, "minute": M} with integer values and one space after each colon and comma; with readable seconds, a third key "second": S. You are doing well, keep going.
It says {"hour": 6, "minute": 10}
